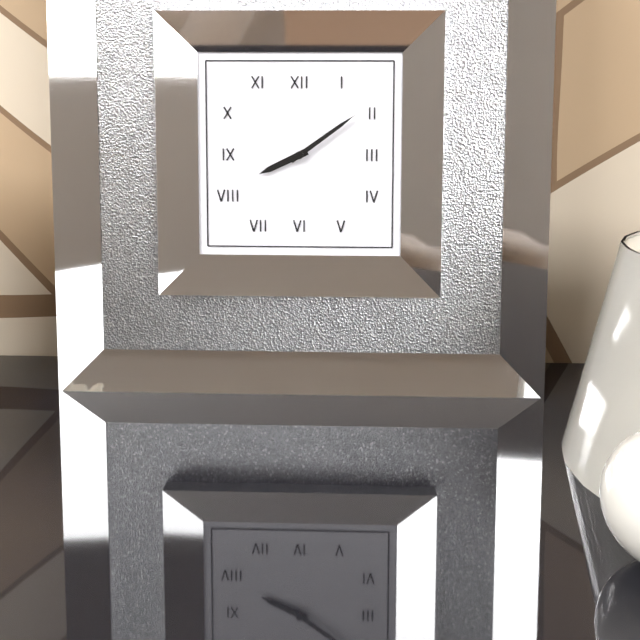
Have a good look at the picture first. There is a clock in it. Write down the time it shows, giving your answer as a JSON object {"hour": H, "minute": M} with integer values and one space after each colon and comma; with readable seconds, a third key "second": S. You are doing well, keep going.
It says {"hour": 8, "minute": 9}
